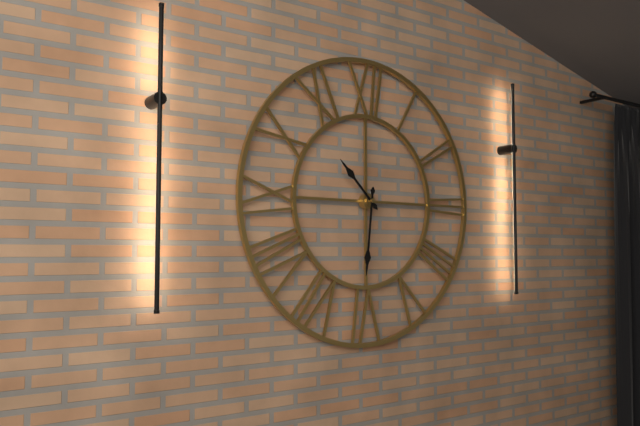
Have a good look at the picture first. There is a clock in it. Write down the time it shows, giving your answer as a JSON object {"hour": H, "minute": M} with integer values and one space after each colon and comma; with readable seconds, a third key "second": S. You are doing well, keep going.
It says {"hour": 10, "minute": 31}
